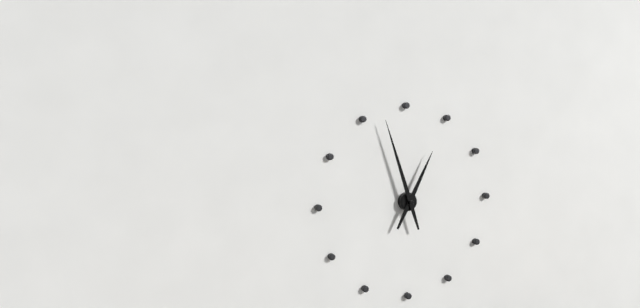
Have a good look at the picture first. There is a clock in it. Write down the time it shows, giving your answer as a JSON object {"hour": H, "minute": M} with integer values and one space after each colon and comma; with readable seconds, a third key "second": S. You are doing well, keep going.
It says {"hour": 12, "minute": 57}
